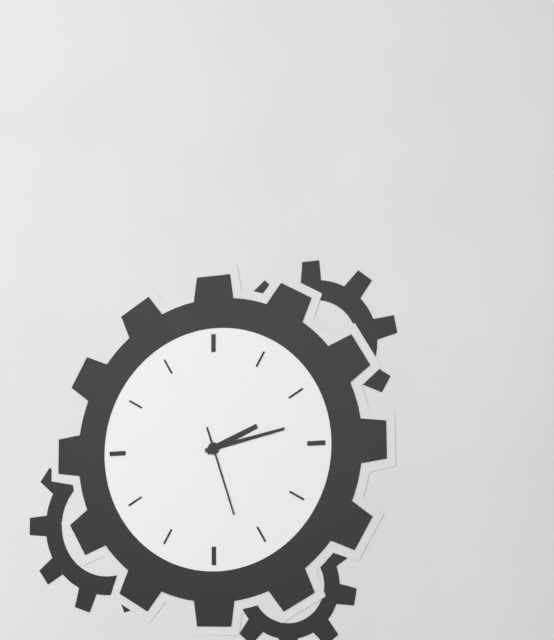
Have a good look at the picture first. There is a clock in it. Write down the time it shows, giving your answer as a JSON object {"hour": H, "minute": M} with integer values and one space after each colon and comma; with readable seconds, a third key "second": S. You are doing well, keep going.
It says {"hour": 2, "minute": 13, "second": 27}
